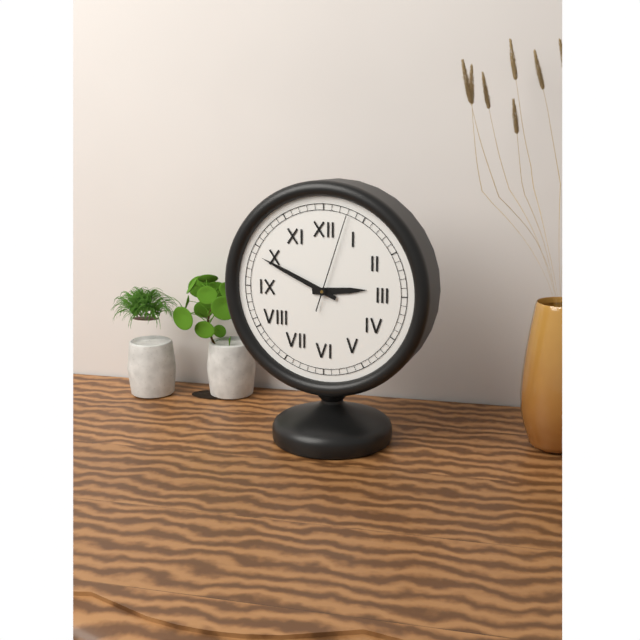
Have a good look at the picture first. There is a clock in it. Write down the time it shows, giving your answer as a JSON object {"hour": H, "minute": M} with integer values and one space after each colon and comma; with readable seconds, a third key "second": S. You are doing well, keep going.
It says {"hour": 2, "minute": 49, "second": 3}
